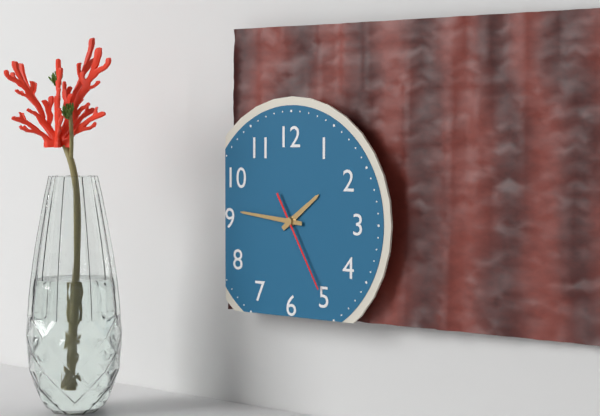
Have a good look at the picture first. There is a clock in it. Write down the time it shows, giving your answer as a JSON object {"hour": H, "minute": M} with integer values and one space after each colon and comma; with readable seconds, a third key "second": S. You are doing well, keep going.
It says {"hour": 1, "minute": 46, "second": 25}
